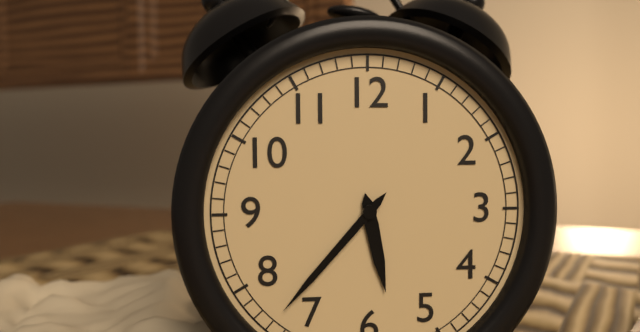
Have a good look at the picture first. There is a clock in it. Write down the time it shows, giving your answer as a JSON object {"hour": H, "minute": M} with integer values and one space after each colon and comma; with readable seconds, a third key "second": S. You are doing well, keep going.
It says {"hour": 5, "minute": 37}
